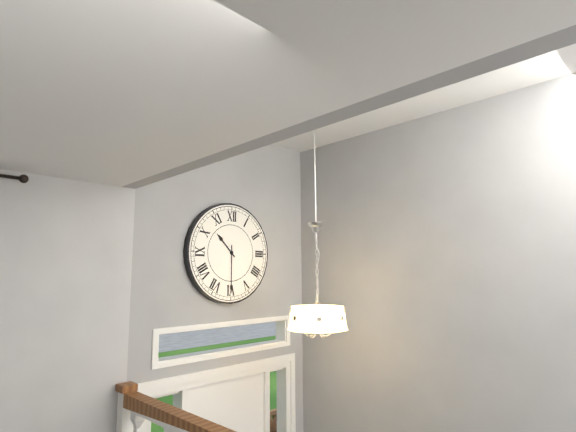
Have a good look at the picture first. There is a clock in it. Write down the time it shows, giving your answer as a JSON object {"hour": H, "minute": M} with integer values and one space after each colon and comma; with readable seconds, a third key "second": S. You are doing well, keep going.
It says {"hour": 10, "minute": 30}
